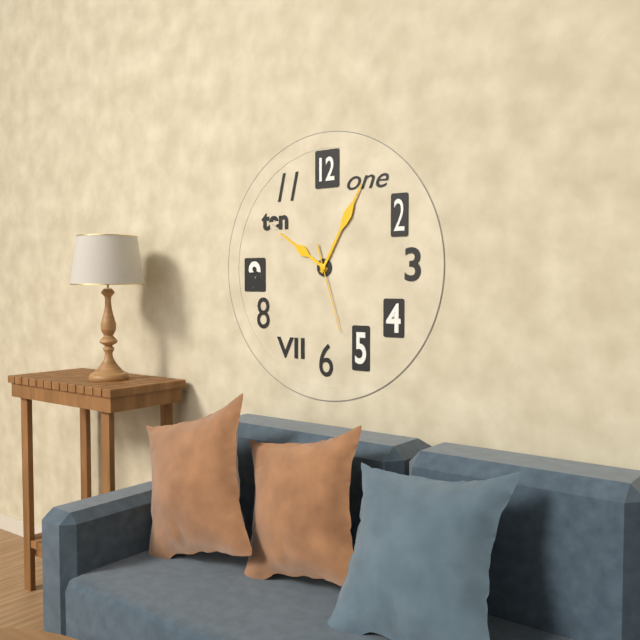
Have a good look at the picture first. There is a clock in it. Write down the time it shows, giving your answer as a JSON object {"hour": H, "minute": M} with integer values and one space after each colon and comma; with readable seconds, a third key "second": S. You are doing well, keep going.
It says {"hour": 10, "minute": 5, "second": 27}
